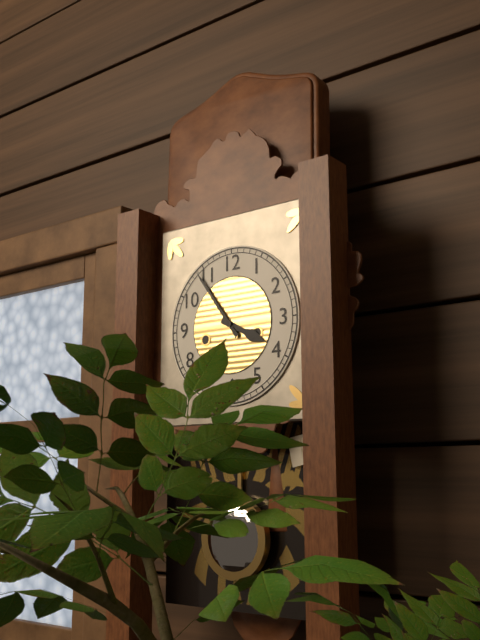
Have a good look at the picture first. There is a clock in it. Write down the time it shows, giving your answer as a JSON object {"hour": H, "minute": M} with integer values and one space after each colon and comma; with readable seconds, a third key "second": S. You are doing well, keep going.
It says {"hour": 3, "minute": 54}
